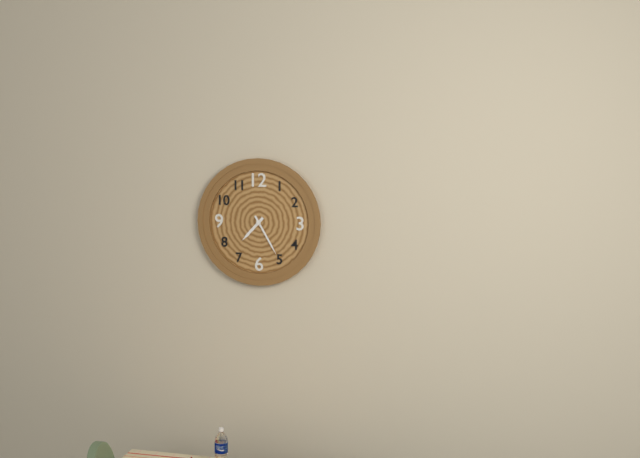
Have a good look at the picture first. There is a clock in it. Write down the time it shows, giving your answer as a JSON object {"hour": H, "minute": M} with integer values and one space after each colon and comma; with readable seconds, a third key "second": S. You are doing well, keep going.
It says {"hour": 7, "minute": 25}
